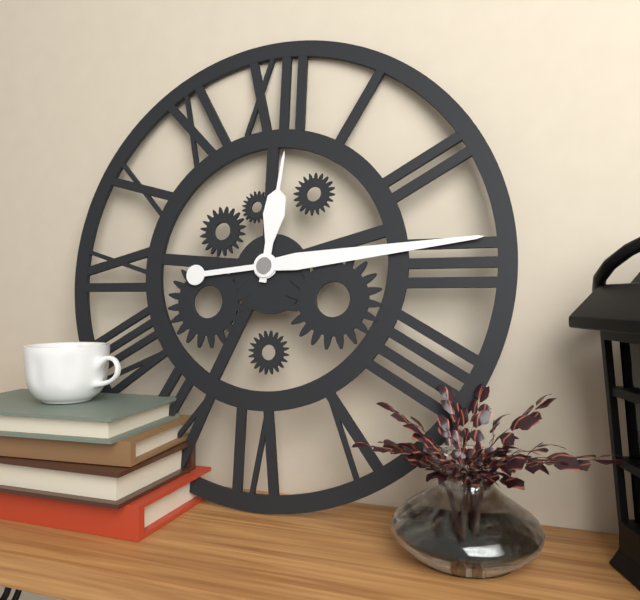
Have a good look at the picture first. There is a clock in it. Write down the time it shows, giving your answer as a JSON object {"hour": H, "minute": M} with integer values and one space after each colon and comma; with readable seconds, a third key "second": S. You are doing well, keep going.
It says {"hour": 12, "minute": 14}
